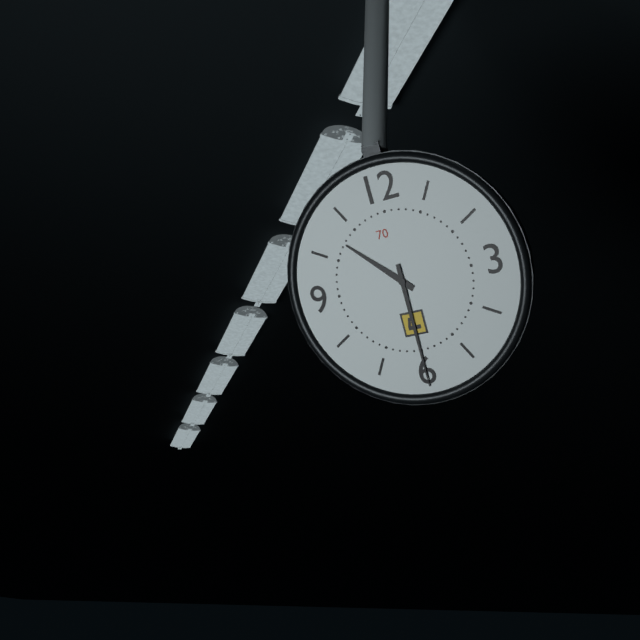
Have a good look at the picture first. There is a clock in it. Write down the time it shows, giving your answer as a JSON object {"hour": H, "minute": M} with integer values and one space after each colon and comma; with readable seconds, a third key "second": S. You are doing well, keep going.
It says {"hour": 10, "minute": 30}
